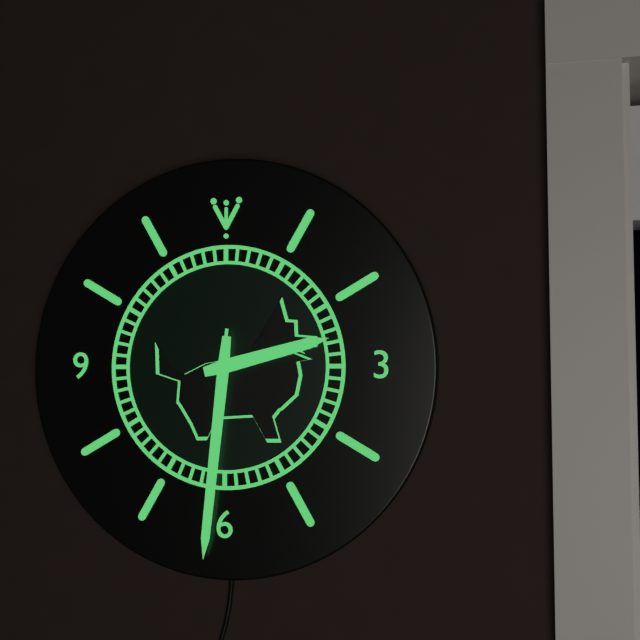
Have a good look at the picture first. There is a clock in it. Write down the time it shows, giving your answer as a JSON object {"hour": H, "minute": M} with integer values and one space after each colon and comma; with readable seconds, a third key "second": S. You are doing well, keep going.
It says {"hour": 2, "minute": 31, "second": 31}
